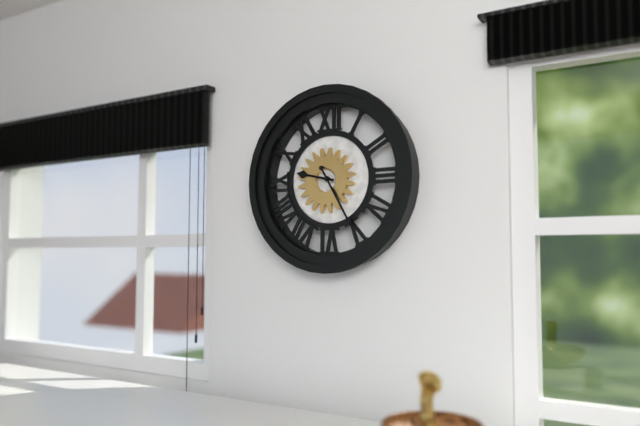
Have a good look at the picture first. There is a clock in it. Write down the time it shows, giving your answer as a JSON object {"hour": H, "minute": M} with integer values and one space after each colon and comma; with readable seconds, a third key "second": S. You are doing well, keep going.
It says {"hour": 9, "minute": 25}
